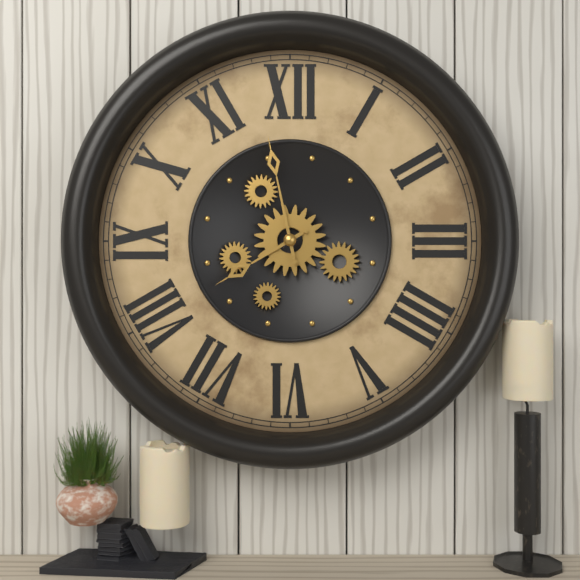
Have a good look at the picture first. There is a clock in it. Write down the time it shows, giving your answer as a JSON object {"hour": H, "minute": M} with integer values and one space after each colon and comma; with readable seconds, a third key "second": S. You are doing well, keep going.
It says {"hour": 7, "minute": 58}
